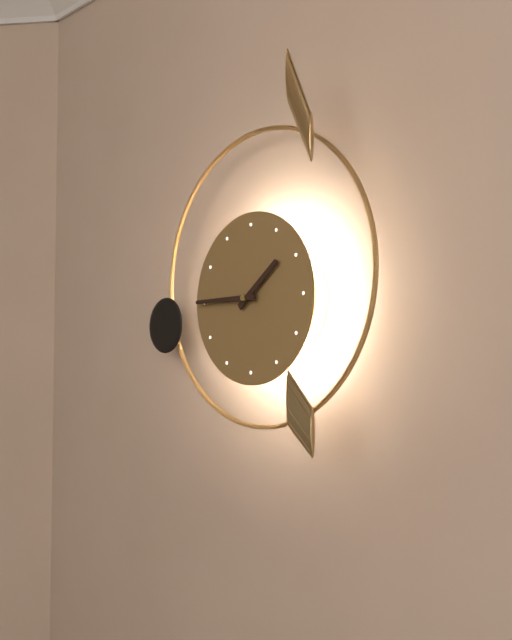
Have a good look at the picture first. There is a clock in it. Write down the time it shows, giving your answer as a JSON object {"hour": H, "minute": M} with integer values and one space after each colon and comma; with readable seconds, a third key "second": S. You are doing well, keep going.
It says {"hour": 1, "minute": 45}
